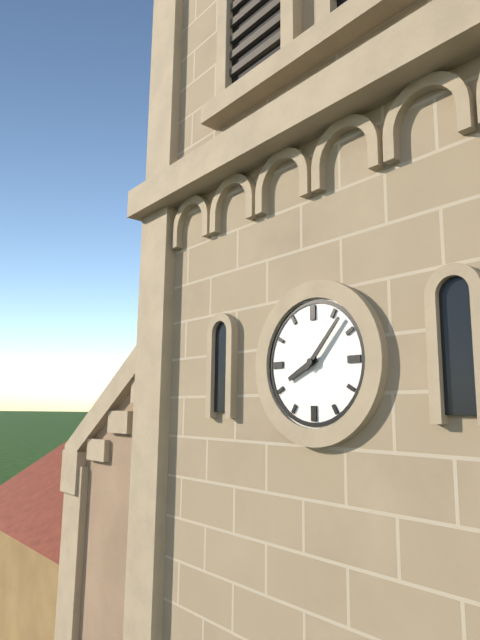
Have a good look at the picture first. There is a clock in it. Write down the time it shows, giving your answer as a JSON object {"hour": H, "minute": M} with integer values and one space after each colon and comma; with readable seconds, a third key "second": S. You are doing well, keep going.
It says {"hour": 8, "minute": 7}
